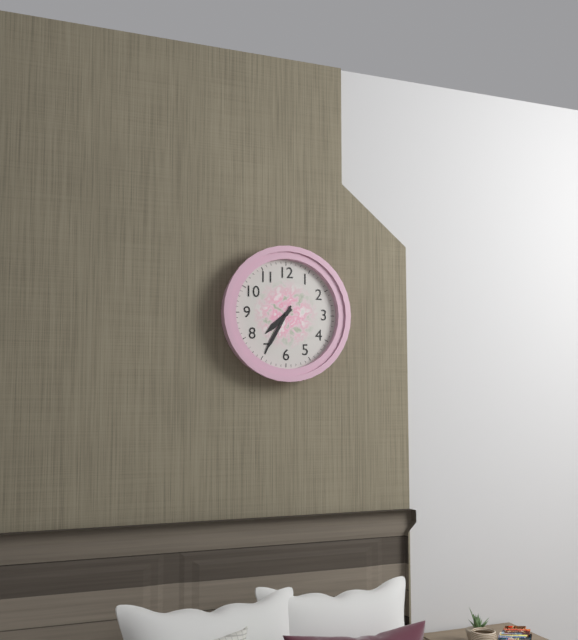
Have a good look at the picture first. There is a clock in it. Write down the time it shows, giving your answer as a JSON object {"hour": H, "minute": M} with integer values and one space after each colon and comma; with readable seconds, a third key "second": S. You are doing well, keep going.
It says {"hour": 7, "minute": 35}
